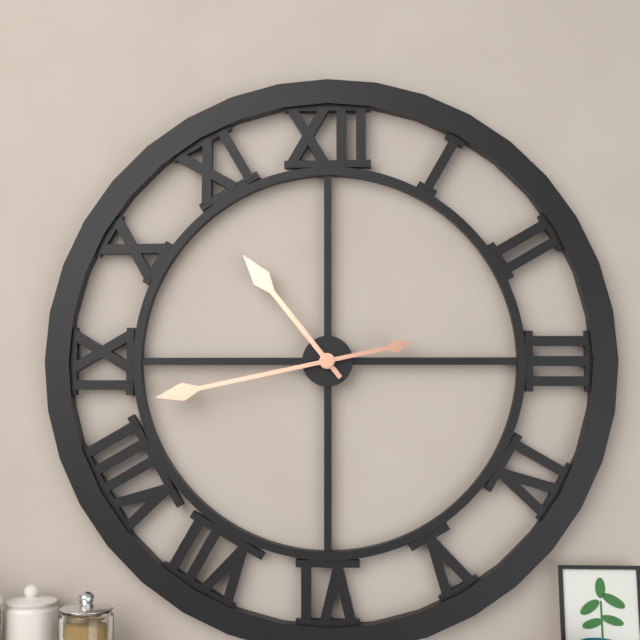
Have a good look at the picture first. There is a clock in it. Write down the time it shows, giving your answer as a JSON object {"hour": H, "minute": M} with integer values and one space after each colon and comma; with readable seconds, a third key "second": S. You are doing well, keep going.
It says {"hour": 10, "minute": 43}
